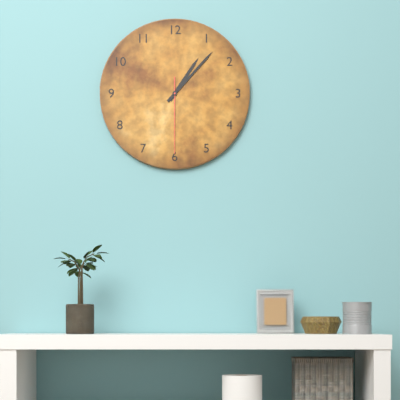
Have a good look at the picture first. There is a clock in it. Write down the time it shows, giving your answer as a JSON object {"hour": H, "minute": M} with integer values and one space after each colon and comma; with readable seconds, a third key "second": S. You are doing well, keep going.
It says {"hour": 1, "minute": 7, "second": 30}
